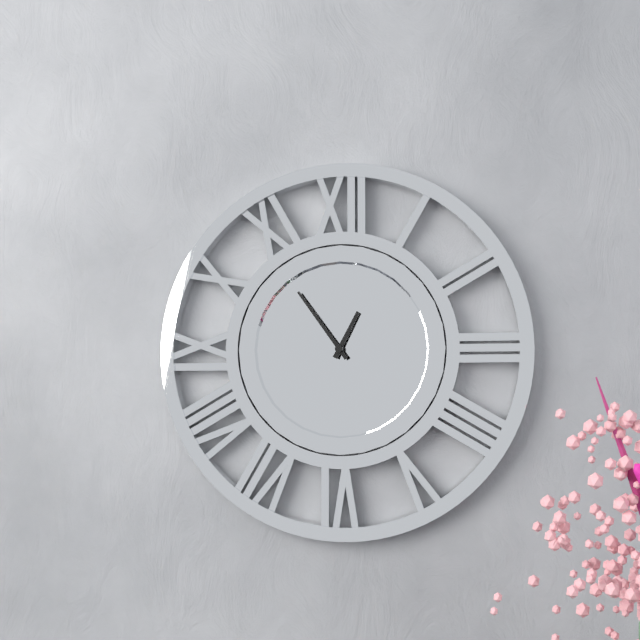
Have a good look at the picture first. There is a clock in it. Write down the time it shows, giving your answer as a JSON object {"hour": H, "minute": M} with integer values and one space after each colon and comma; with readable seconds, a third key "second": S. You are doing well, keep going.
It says {"hour": 12, "minute": 54}
